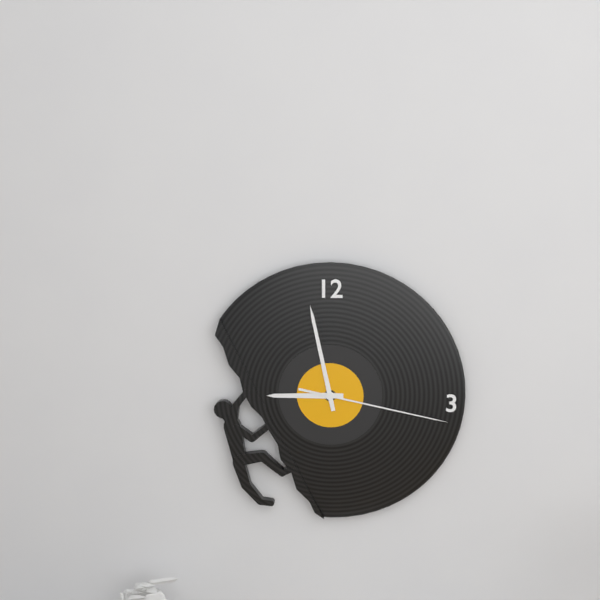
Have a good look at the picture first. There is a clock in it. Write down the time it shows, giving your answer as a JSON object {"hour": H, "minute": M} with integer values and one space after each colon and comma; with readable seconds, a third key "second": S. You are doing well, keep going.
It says {"hour": 8, "minute": 58, "second": 17}
